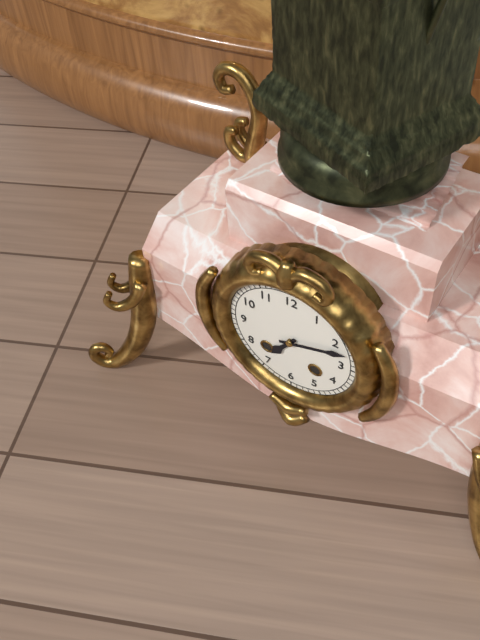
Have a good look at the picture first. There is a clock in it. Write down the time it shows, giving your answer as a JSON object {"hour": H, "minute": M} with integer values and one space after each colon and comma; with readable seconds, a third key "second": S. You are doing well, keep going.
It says {"hour": 7, "minute": 12}
